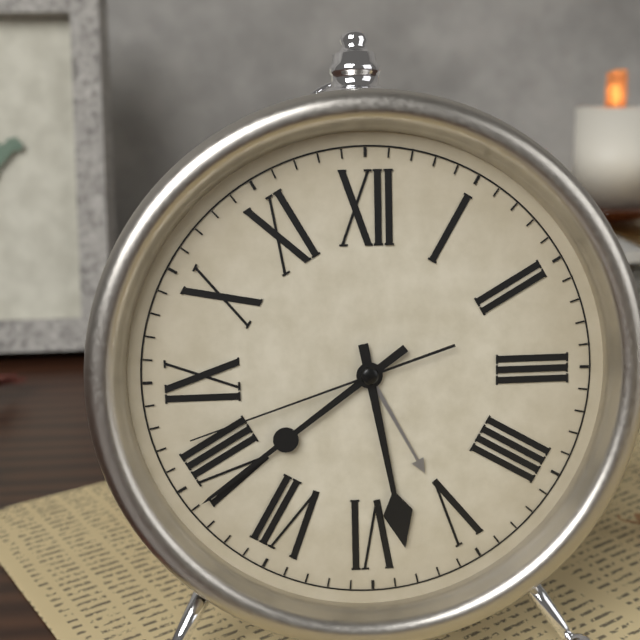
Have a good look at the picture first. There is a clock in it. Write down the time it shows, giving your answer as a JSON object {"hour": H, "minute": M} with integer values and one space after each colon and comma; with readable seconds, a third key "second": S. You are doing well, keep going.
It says {"hour": 5, "minute": 39, "second": 42}
